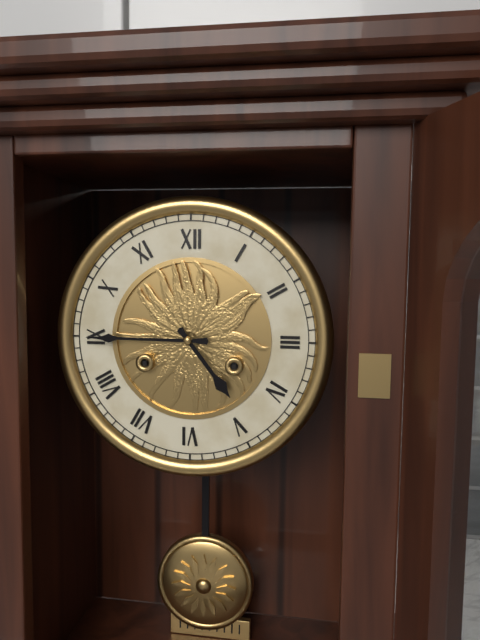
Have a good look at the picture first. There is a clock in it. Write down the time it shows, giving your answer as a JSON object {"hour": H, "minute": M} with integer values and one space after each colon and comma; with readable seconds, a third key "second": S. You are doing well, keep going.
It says {"hour": 4, "minute": 45}
